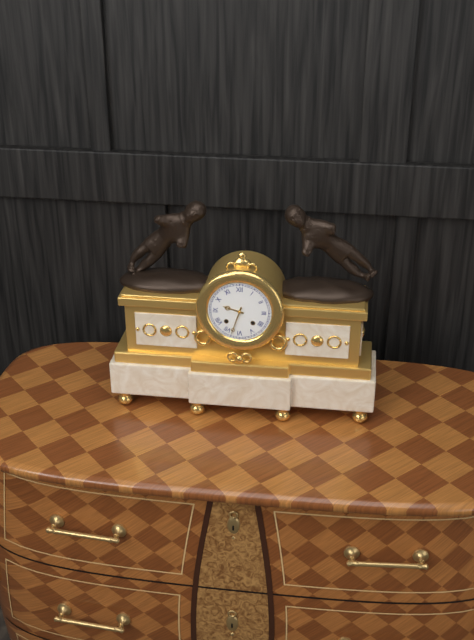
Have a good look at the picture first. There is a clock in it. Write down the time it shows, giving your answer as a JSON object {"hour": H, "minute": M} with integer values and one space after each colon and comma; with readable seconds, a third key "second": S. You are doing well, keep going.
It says {"hour": 9, "minute": 33}
